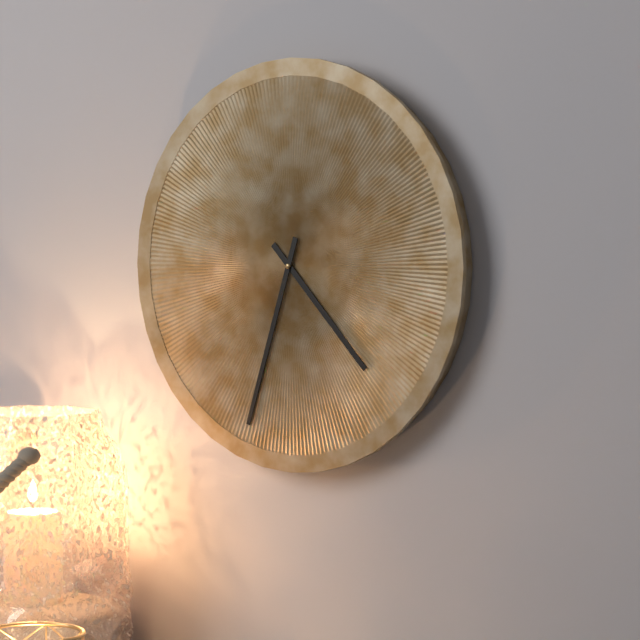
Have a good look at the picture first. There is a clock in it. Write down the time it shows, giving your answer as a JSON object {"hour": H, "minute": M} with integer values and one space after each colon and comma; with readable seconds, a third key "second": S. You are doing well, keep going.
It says {"hour": 4, "minute": 33}
